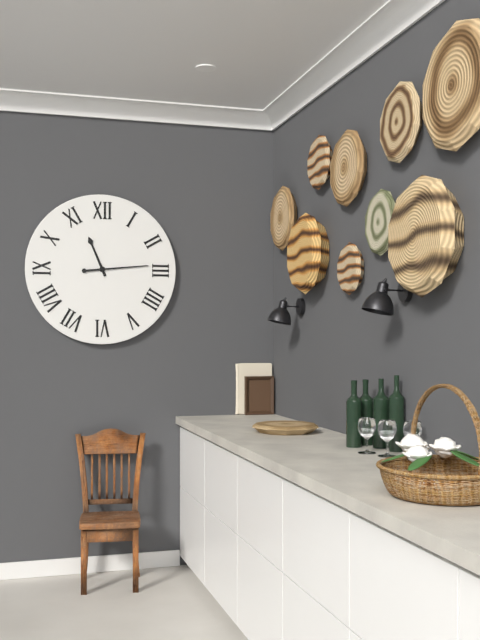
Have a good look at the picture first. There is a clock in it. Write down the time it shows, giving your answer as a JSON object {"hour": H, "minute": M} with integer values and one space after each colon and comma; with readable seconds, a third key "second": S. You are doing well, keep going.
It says {"hour": 11, "minute": 14}
